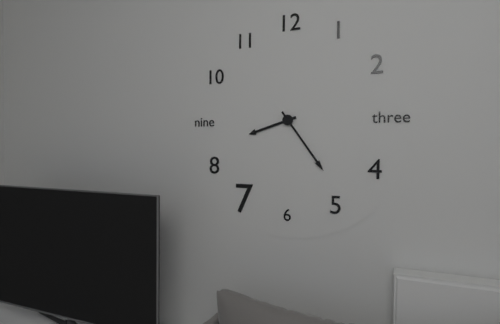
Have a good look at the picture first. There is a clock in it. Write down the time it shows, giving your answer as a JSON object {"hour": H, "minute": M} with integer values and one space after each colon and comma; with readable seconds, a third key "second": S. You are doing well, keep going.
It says {"hour": 8, "minute": 24}
